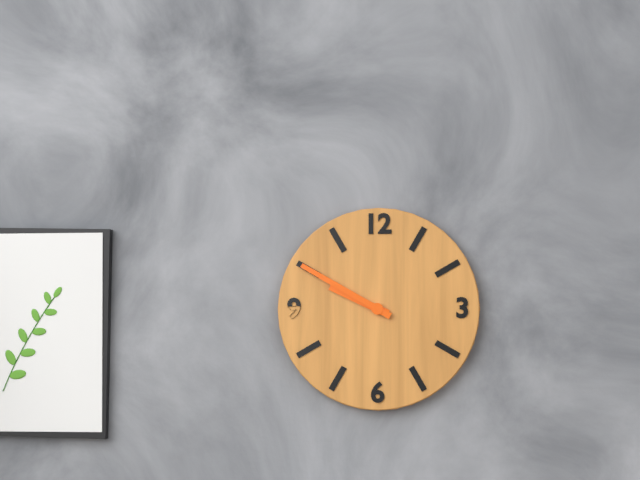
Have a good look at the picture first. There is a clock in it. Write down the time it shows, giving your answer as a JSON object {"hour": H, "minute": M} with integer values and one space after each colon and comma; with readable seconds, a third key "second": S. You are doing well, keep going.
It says {"hour": 9, "minute": 50}
